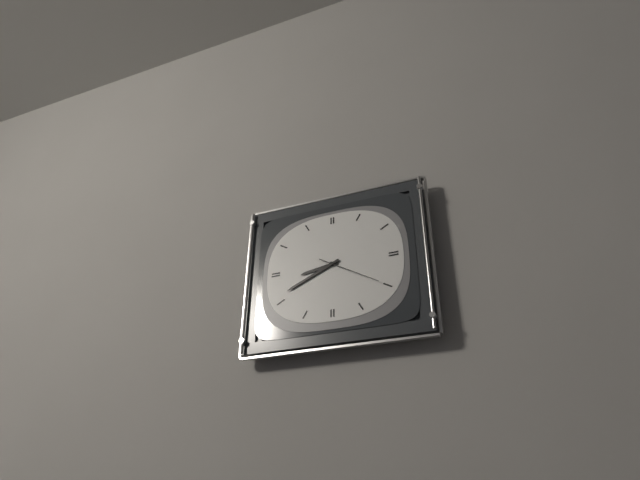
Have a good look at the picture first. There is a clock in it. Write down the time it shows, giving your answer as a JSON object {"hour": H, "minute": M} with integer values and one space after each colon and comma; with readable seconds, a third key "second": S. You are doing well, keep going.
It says {"hour": 8, "minute": 41, "second": 20}
